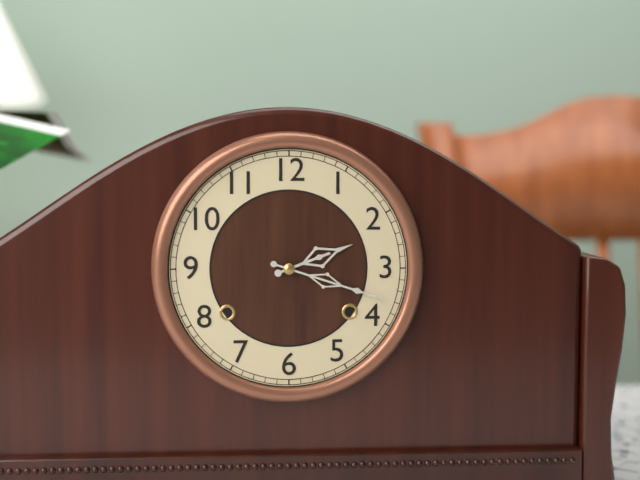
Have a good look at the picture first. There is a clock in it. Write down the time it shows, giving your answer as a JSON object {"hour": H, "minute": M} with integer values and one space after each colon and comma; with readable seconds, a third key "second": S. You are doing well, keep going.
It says {"hour": 2, "minute": 18}
